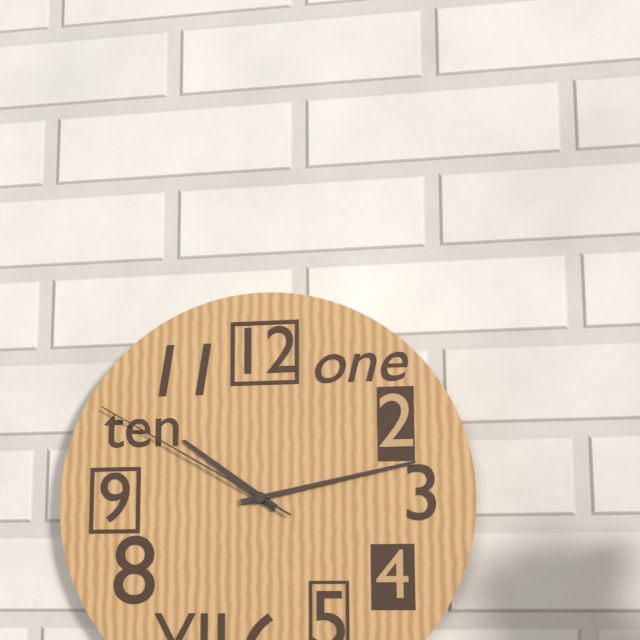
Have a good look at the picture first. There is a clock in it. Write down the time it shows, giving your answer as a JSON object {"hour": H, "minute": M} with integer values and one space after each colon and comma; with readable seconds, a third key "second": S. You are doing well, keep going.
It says {"hour": 10, "minute": 13, "second": 50}
